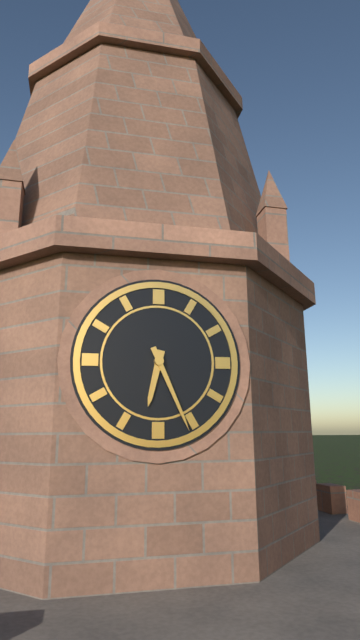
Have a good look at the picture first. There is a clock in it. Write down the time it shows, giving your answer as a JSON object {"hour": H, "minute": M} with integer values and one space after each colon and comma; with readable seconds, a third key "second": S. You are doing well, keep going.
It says {"hour": 6, "minute": 26}
